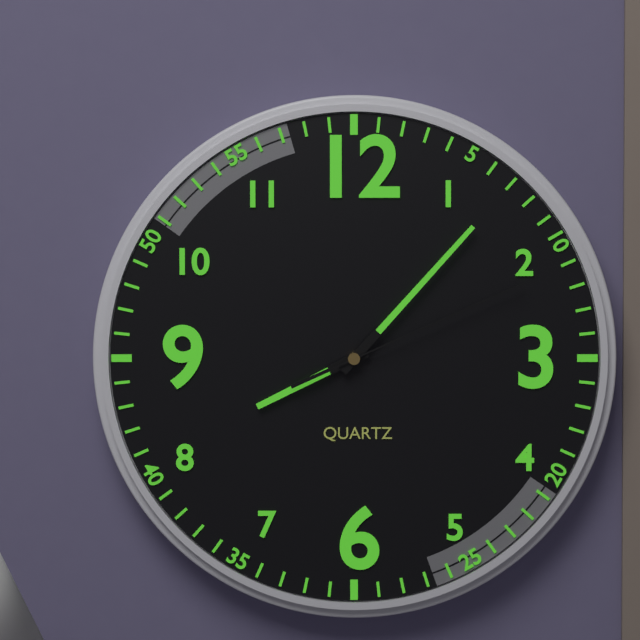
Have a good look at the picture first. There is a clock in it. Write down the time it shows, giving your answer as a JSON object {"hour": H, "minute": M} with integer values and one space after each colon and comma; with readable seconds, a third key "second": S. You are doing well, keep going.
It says {"hour": 8, "minute": 7, "second": 11}
